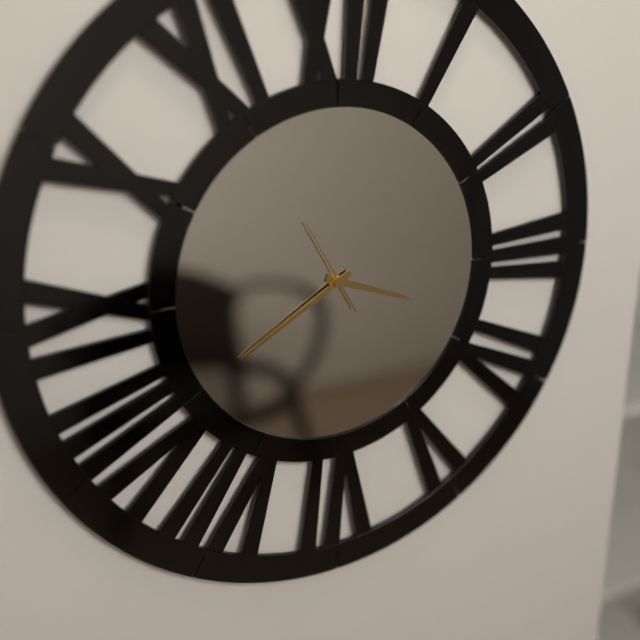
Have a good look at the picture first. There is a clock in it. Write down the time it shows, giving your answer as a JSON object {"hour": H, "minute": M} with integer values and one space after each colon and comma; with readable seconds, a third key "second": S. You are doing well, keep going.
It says {"hour": 3, "minute": 40, "second": 55}
